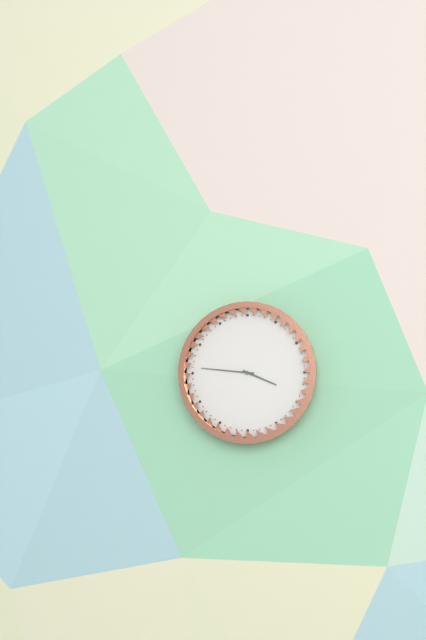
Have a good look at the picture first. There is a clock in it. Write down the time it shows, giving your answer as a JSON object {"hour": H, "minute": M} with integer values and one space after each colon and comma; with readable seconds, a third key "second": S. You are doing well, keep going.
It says {"hour": 3, "minute": 46}
